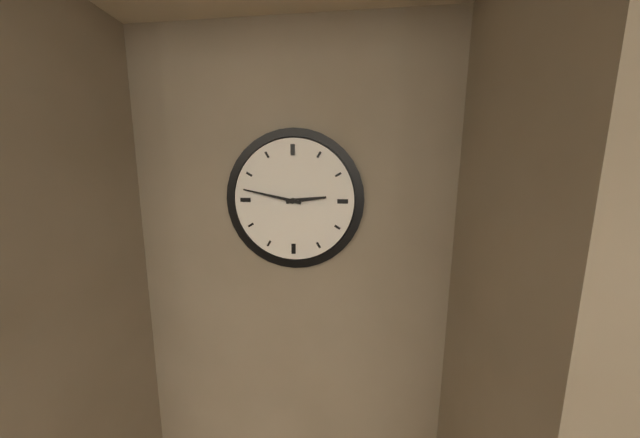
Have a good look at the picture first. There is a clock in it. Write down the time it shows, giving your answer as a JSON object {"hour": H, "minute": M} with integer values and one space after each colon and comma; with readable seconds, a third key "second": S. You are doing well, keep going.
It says {"hour": 2, "minute": 47}
